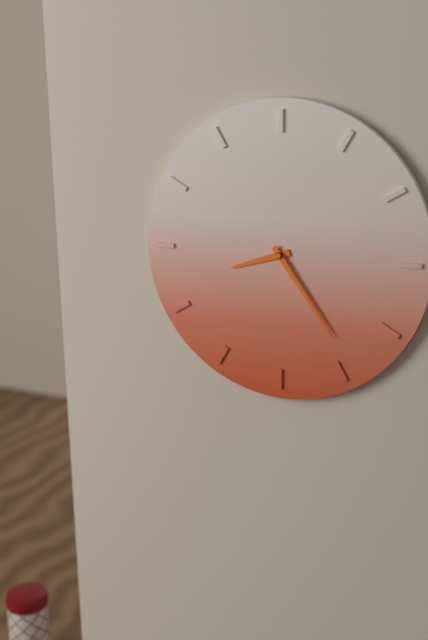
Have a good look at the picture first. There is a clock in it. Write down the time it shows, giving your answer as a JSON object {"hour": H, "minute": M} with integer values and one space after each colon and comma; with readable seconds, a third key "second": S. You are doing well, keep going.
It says {"hour": 8, "minute": 24}
